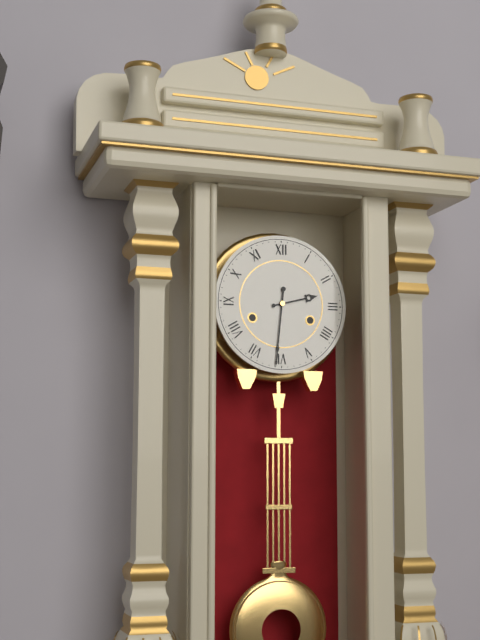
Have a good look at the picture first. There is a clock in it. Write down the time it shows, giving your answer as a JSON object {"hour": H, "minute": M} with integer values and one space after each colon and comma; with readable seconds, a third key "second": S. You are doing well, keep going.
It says {"hour": 2, "minute": 31}
